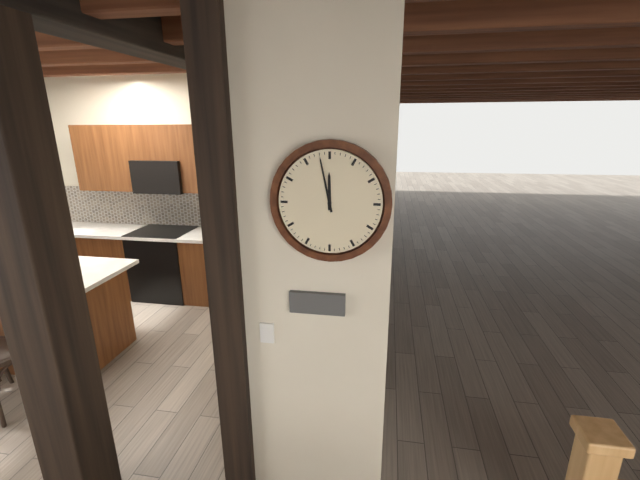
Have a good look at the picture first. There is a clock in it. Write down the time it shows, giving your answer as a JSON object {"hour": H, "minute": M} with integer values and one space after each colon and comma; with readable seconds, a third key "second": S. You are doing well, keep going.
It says {"hour": 11, "minute": 58}
